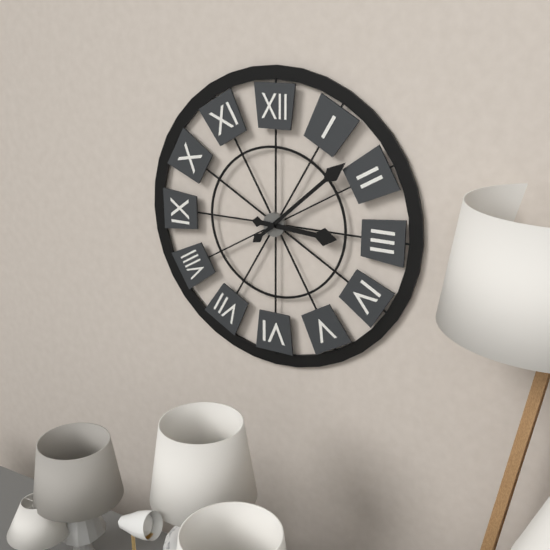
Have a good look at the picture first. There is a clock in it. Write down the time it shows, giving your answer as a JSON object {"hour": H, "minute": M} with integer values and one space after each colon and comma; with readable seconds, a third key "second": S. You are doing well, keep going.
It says {"hour": 3, "minute": 8}
